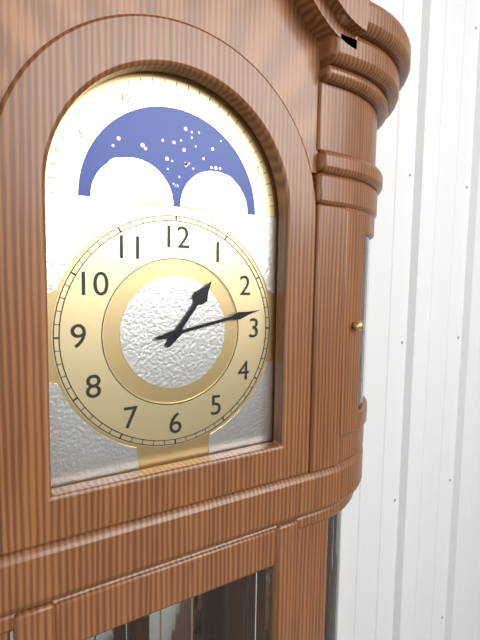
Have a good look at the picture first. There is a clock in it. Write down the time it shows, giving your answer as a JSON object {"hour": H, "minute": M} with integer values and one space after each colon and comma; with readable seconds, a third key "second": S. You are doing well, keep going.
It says {"hour": 1, "minute": 13}
